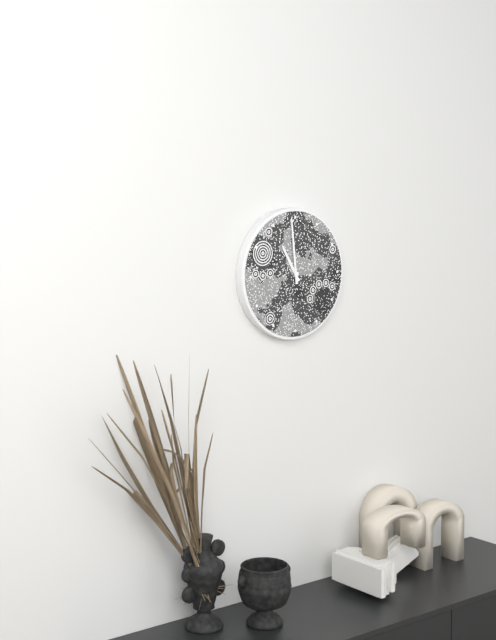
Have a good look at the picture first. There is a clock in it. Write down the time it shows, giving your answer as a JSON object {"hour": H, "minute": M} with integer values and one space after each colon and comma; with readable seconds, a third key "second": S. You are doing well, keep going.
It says {"hour": 10, "minute": 59}
